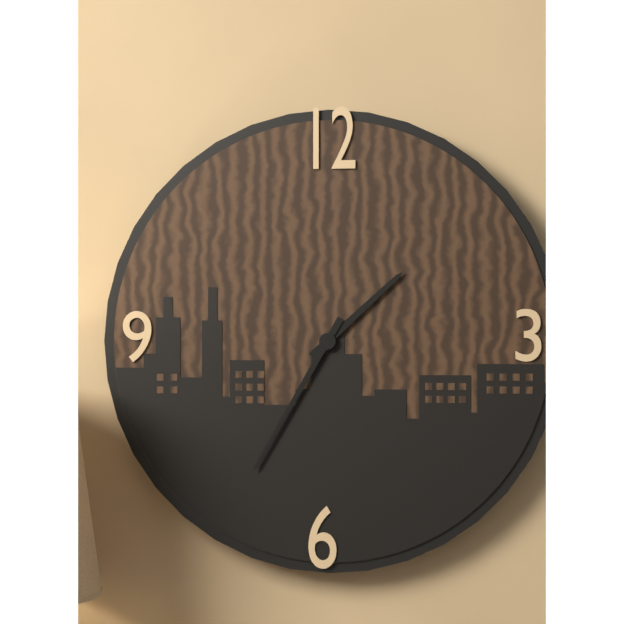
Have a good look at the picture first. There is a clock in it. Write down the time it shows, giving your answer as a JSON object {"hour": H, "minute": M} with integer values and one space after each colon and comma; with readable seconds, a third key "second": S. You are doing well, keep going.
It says {"hour": 1, "minute": 35}
